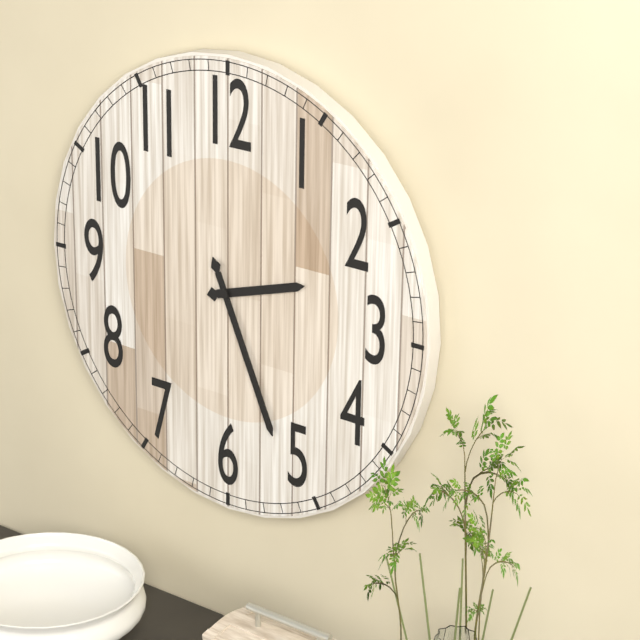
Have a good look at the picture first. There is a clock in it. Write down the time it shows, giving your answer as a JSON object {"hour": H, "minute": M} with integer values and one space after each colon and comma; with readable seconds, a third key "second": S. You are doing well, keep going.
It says {"hour": 2, "minute": 26}
